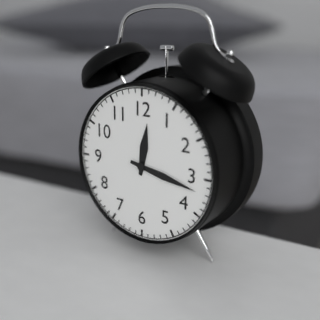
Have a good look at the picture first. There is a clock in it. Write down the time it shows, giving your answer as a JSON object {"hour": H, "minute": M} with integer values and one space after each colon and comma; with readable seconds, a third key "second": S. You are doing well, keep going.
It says {"hour": 12, "minute": 17}
